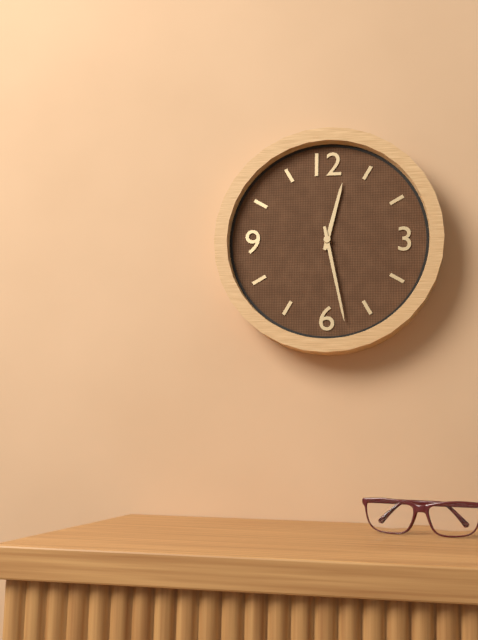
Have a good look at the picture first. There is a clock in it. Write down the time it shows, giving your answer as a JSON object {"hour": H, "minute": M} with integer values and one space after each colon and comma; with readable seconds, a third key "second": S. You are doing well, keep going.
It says {"hour": 12, "minute": 28}
